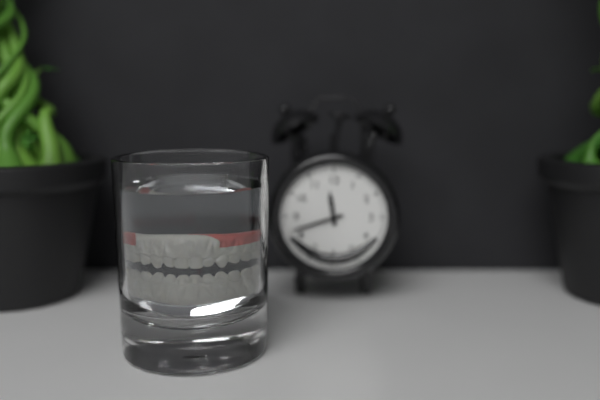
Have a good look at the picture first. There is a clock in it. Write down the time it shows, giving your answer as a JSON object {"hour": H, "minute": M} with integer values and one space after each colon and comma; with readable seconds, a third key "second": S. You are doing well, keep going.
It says {"hour": 11, "minute": 42}
